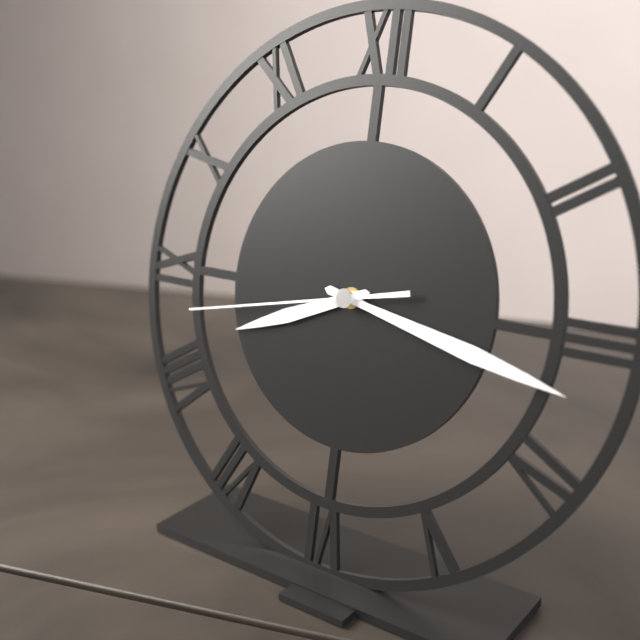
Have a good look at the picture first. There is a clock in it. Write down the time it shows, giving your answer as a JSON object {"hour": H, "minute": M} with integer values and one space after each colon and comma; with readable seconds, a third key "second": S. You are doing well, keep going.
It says {"hour": 8, "minute": 17, "second": 43}
